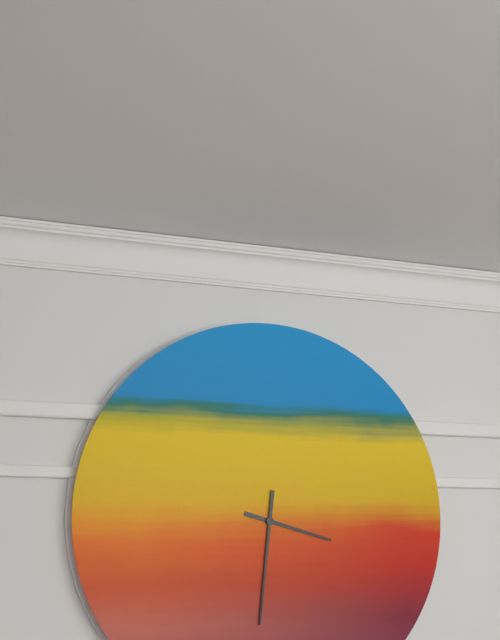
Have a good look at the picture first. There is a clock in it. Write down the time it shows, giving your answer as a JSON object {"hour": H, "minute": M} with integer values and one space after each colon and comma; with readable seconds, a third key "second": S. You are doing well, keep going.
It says {"hour": 3, "minute": 31}
